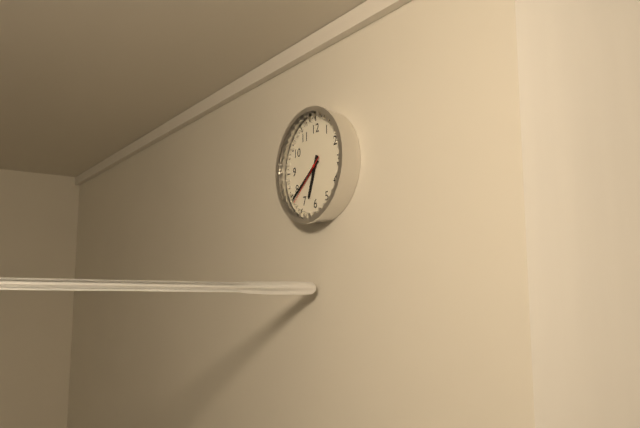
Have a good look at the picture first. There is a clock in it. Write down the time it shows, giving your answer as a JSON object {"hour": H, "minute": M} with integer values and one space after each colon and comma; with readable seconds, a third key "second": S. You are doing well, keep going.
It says {"hour": 6, "minute": 39, "second": 38}
